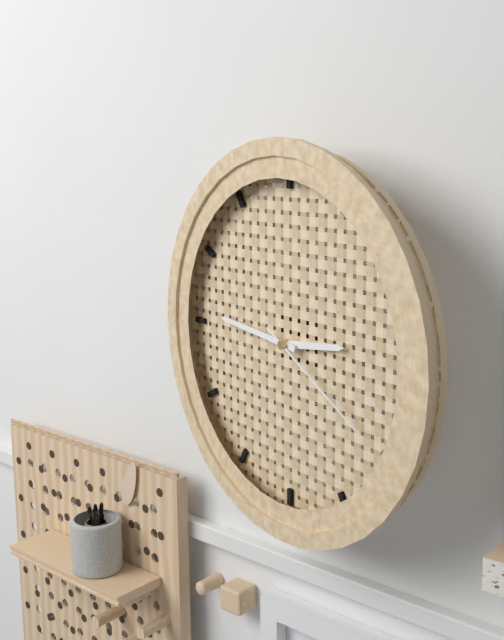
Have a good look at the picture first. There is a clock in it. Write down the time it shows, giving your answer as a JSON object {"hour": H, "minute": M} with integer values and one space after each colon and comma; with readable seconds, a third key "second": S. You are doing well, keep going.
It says {"hour": 2, "minute": 46, "second": 20}
